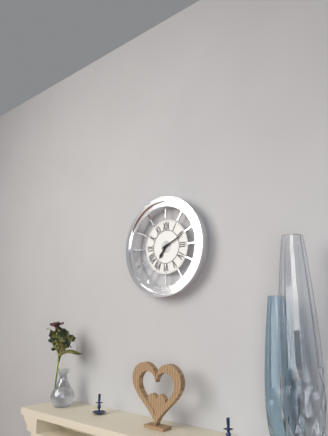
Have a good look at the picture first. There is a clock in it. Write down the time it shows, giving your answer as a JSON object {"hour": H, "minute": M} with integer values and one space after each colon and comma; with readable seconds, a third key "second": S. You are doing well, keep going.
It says {"hour": 7, "minute": 11}
